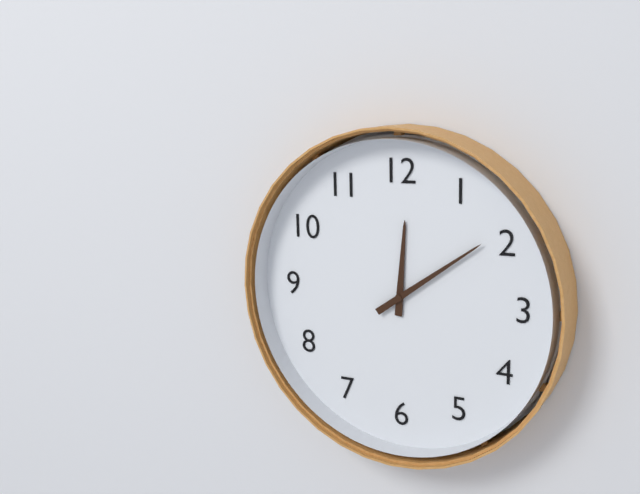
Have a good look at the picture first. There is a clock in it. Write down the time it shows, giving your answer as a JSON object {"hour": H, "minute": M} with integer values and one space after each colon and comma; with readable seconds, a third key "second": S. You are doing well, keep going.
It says {"hour": 12, "minute": 9}
